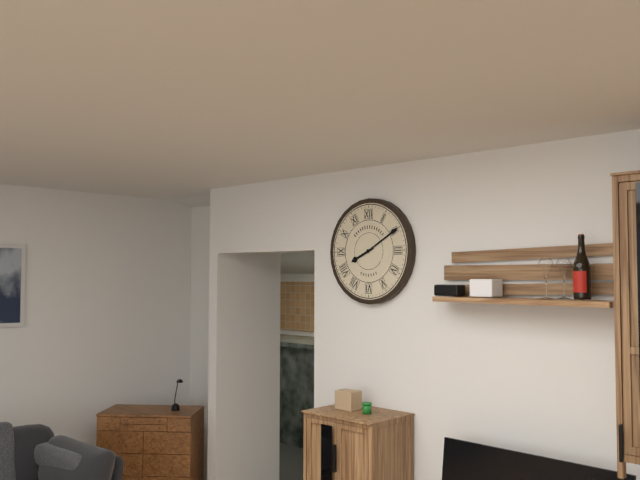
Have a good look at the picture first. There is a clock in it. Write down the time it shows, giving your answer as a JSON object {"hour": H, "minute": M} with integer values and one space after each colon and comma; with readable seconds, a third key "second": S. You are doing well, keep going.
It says {"hour": 8, "minute": 10}
